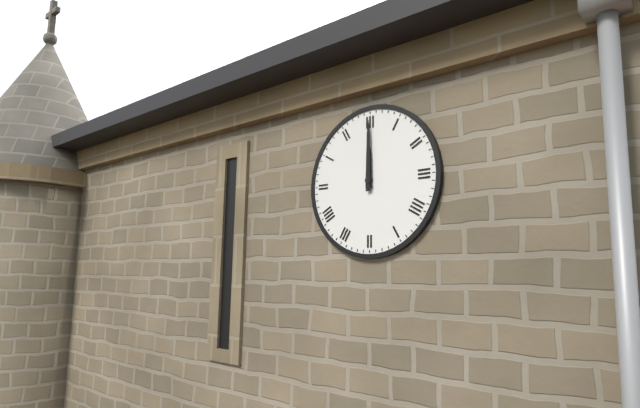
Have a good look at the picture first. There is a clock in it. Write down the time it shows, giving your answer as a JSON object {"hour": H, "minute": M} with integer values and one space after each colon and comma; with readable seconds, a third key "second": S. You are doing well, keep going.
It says {"hour": 12, "minute": 0}
